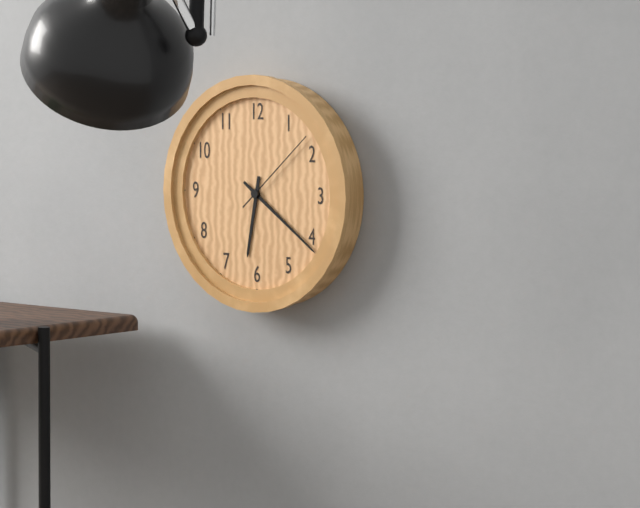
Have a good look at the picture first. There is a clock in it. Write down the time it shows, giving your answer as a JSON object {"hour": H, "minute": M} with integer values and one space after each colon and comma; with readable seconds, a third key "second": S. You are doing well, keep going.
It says {"hour": 6, "minute": 21, "second": 8}
